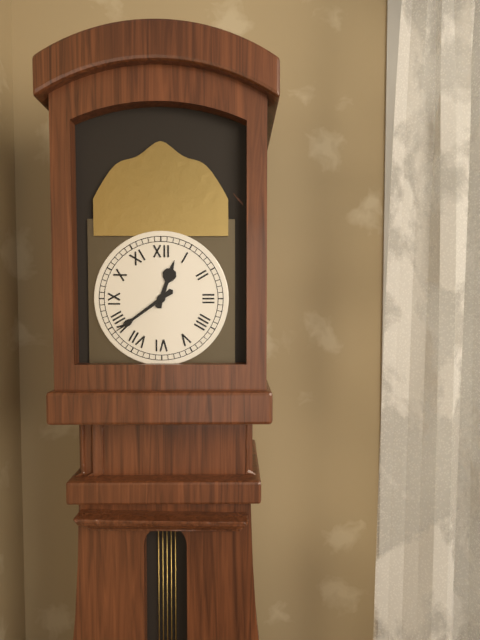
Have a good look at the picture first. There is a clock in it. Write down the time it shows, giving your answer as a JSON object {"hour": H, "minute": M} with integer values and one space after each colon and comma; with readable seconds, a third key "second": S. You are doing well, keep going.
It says {"hour": 12, "minute": 39}
